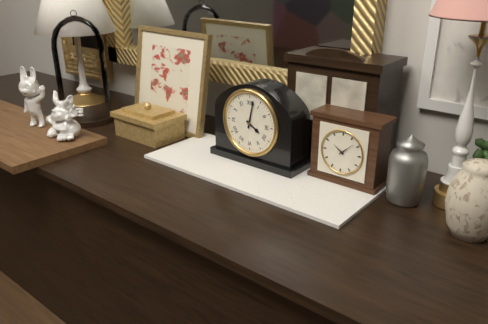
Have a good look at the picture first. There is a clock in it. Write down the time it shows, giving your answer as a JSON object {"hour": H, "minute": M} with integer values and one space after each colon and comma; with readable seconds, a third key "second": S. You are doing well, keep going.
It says {"hour": 4, "minute": 2}
